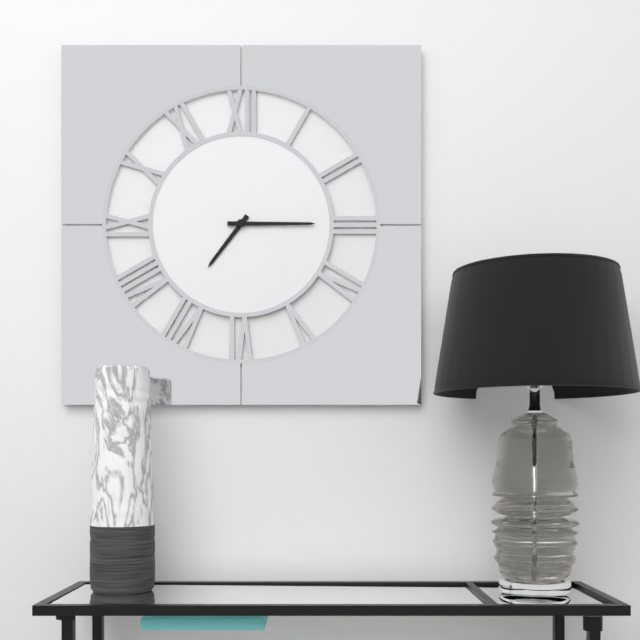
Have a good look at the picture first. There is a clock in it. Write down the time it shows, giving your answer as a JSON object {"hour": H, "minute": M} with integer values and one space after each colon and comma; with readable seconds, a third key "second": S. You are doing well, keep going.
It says {"hour": 7, "minute": 15}
